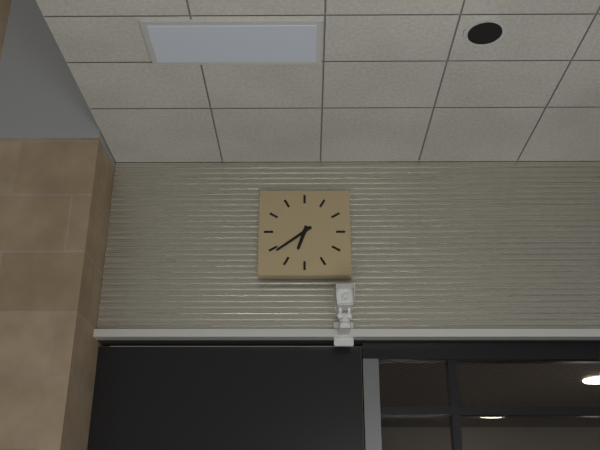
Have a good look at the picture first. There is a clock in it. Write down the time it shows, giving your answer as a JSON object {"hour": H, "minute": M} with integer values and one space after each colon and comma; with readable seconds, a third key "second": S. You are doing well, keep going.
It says {"hour": 6, "minute": 39}
